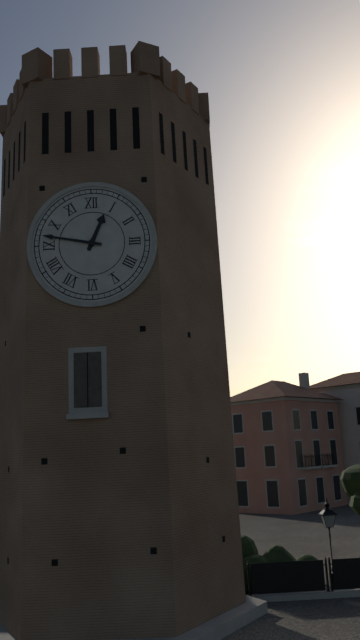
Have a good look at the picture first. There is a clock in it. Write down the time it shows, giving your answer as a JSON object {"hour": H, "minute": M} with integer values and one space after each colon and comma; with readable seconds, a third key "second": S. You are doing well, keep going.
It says {"hour": 12, "minute": 47}
